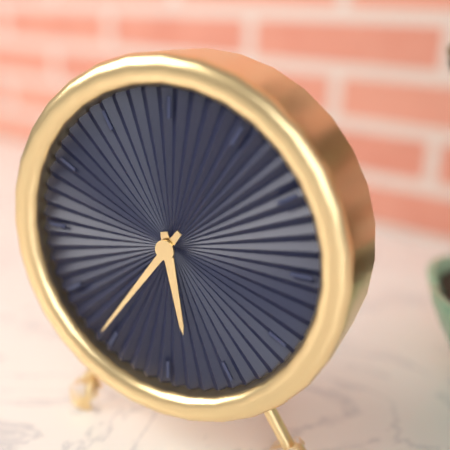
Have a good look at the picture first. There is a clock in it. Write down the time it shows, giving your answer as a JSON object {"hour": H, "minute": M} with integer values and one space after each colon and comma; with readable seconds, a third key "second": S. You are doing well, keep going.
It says {"hour": 5, "minute": 36}
